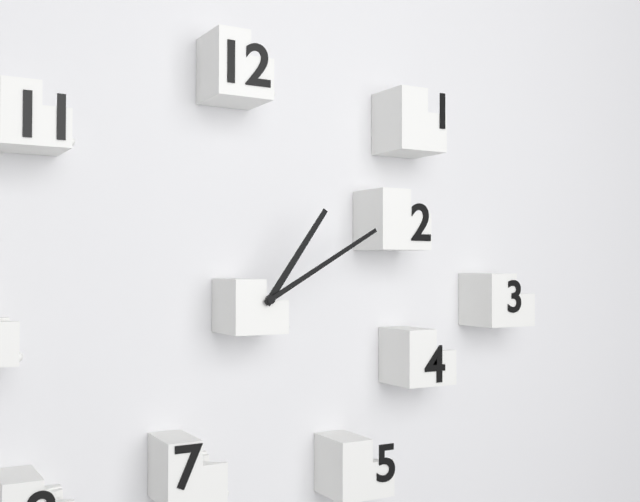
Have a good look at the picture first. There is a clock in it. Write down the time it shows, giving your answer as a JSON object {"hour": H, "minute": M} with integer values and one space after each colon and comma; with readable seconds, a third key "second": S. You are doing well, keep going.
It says {"hour": 1, "minute": 10}
